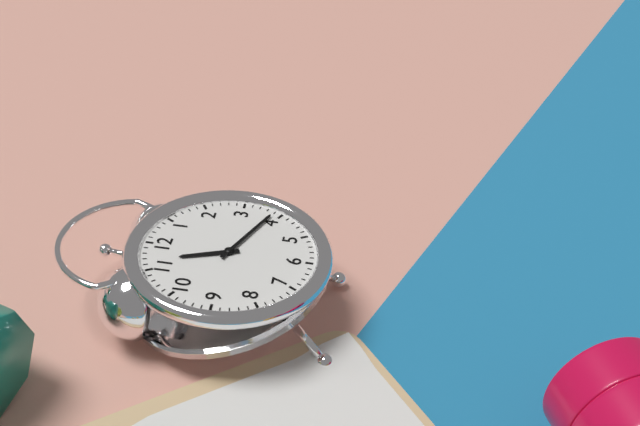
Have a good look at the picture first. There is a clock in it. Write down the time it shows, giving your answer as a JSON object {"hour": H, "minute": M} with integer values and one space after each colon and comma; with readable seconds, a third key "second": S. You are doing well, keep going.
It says {"hour": 11, "minute": 19}
